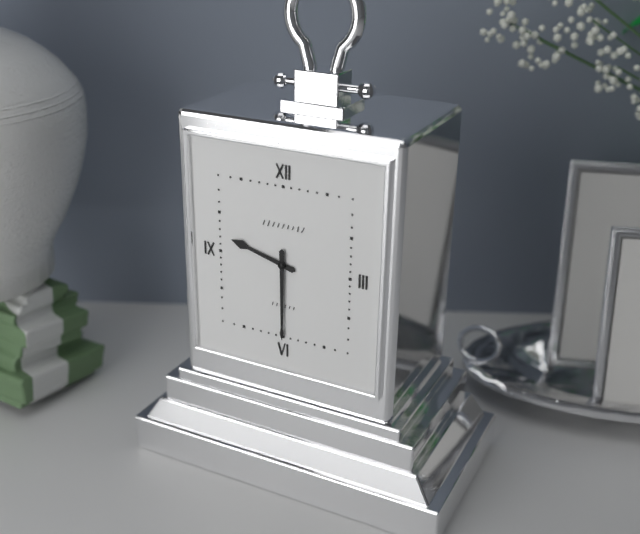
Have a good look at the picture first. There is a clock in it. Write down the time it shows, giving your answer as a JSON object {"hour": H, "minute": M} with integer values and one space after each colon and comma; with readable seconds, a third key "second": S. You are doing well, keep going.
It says {"hour": 9, "minute": 30}
